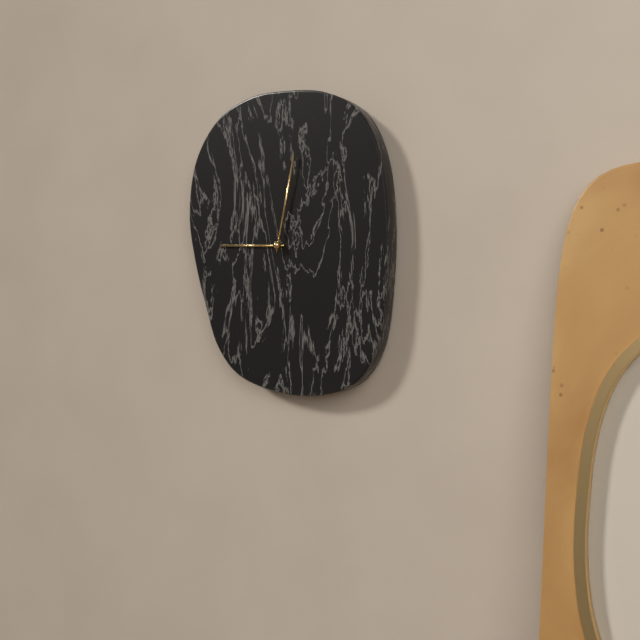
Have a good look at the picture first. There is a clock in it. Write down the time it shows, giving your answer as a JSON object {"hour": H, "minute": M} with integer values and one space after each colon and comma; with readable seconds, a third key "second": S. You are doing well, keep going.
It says {"hour": 9, "minute": 2}
